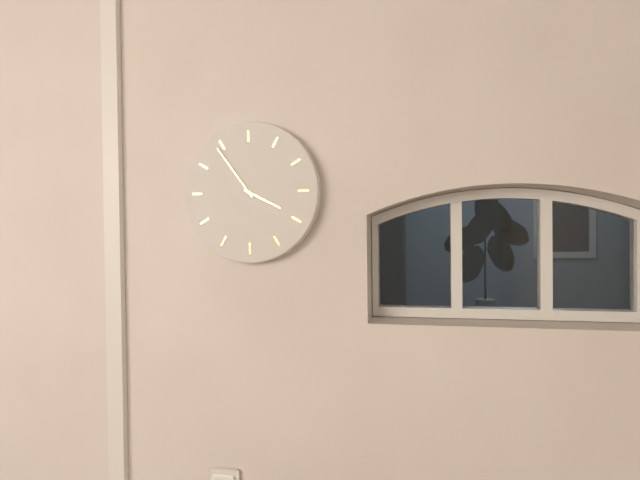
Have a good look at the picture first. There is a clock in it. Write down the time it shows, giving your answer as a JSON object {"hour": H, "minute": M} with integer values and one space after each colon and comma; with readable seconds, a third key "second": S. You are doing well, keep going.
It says {"hour": 3, "minute": 54}
